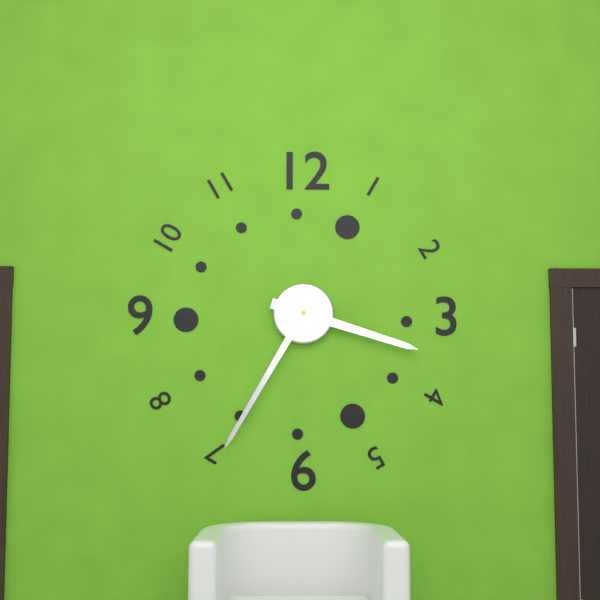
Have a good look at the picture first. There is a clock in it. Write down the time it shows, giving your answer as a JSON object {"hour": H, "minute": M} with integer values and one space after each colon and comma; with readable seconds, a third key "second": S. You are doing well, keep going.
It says {"hour": 3, "minute": 35}
